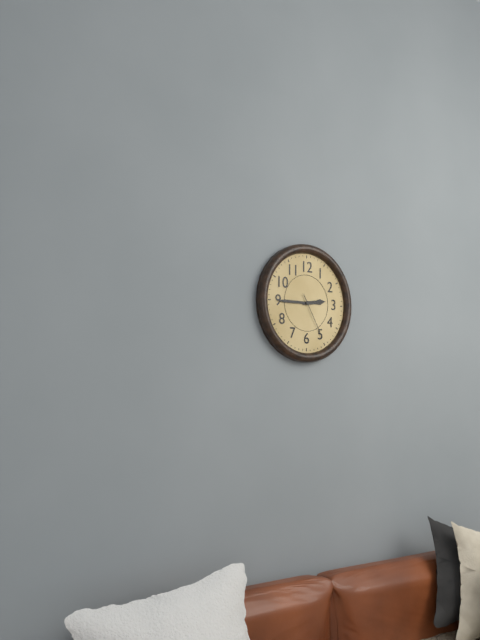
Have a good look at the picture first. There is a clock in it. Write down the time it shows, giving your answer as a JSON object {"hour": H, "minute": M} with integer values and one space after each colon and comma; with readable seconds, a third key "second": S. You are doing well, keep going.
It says {"hour": 2, "minute": 45}
